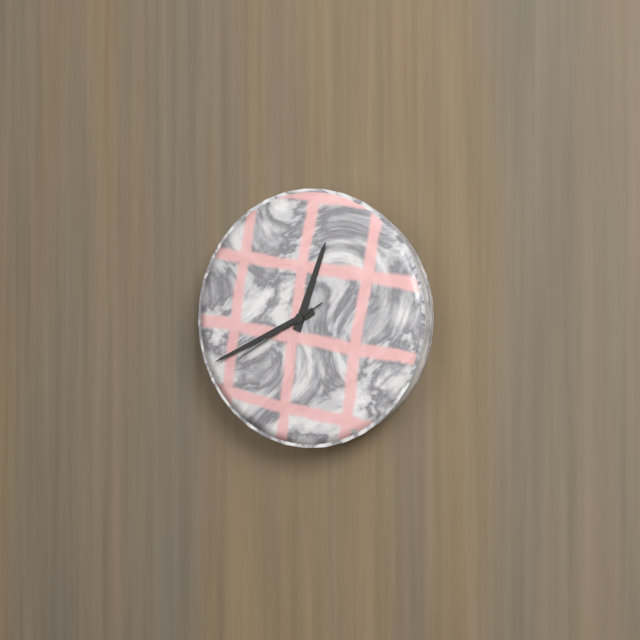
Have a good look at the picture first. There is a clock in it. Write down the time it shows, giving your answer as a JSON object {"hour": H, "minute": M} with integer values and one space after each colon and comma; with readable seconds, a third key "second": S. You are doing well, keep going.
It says {"hour": 12, "minute": 41, "second": 40}
